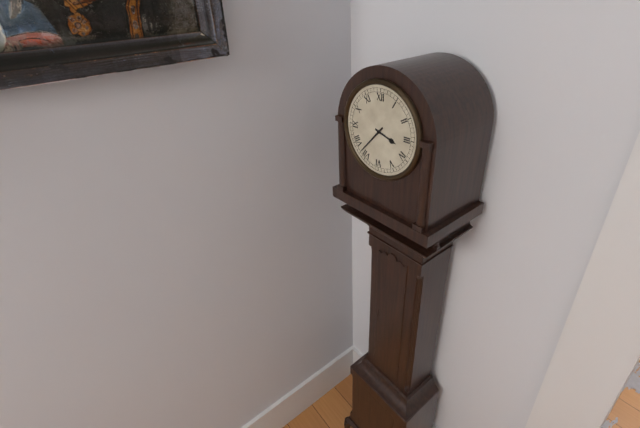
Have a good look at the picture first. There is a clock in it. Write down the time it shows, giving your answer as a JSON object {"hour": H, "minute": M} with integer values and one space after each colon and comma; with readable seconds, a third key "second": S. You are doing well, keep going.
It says {"hour": 3, "minute": 37}
